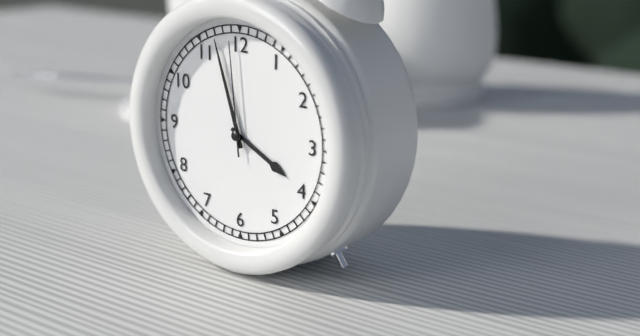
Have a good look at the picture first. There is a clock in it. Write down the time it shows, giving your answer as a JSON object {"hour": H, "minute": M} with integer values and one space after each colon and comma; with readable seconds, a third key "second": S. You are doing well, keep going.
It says {"hour": 3, "minute": 57, "second": 59}
